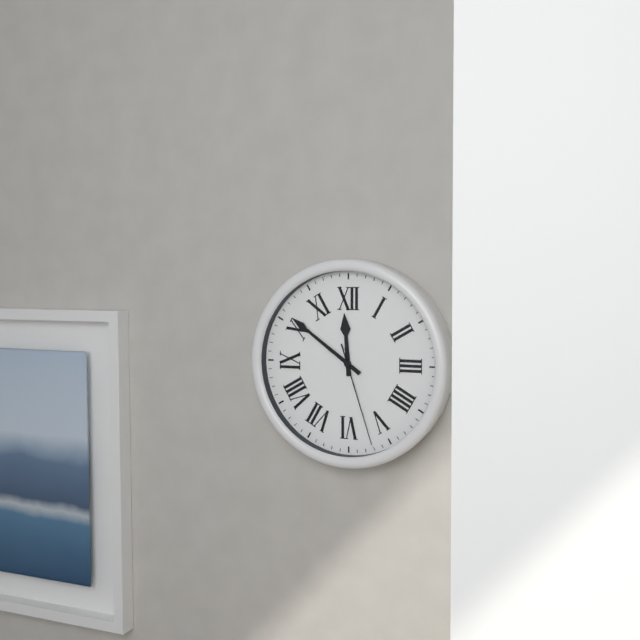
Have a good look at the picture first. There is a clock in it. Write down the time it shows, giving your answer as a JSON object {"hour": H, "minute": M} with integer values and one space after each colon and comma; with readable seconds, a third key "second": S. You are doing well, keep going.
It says {"hour": 11, "minute": 51, "second": 27}
